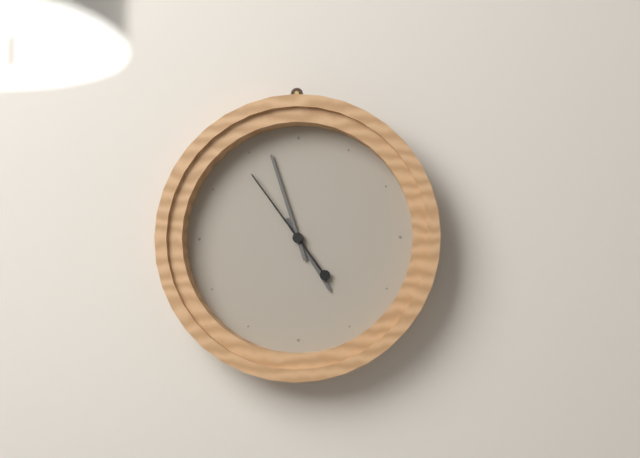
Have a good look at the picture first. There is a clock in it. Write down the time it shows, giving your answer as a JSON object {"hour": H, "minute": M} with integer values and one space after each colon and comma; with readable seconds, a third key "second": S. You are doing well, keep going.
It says {"hour": 4, "minute": 57, "second": 54}
